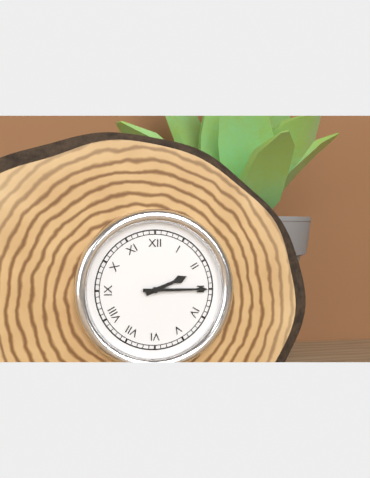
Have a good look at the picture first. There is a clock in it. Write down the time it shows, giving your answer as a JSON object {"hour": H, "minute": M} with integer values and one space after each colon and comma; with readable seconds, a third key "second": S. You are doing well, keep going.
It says {"hour": 2, "minute": 15}
